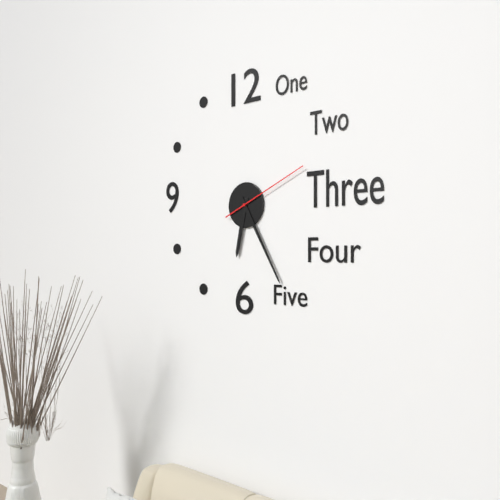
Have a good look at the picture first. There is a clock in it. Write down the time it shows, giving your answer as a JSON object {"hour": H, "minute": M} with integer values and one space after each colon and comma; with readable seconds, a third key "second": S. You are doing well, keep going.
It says {"hour": 6, "minute": 25, "second": 11}
